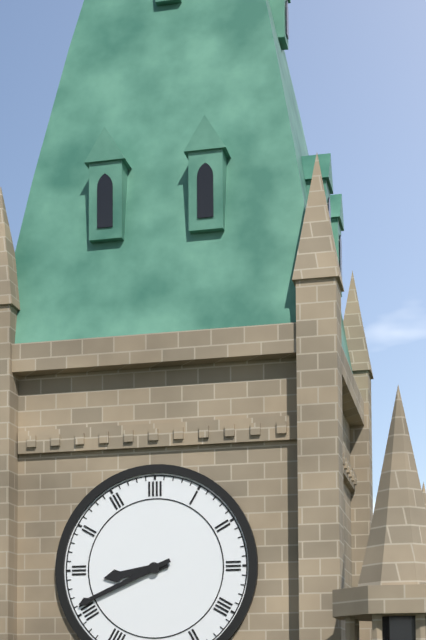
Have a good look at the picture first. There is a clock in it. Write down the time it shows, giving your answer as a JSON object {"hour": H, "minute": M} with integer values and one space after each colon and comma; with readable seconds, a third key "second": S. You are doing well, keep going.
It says {"hour": 8, "minute": 41}
